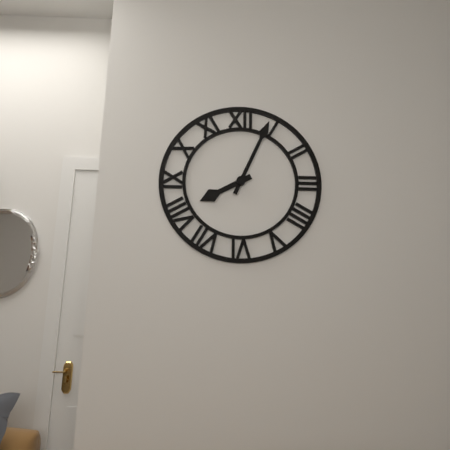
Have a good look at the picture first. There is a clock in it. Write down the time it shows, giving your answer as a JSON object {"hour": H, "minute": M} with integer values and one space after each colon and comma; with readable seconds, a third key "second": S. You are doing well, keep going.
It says {"hour": 8, "minute": 4}
